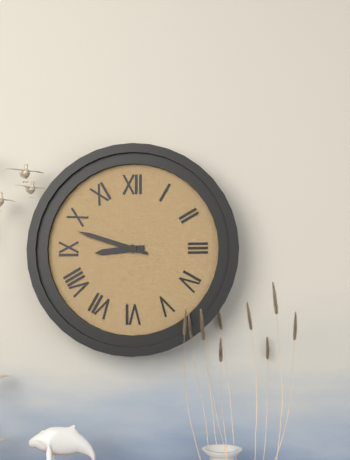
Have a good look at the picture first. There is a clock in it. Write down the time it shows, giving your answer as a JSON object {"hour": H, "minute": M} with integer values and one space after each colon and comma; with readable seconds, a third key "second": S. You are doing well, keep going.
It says {"hour": 8, "minute": 48}
